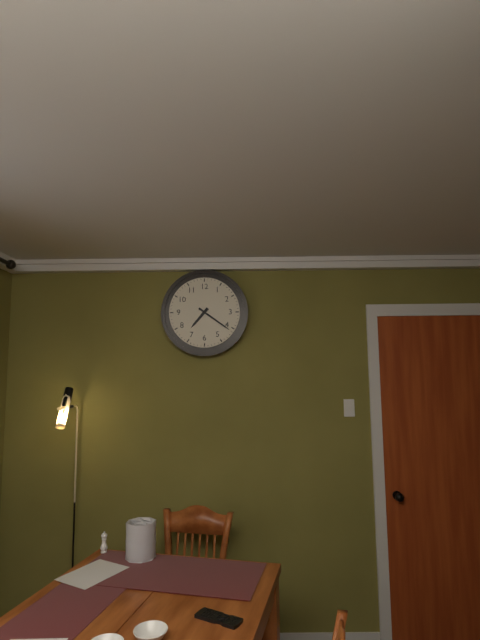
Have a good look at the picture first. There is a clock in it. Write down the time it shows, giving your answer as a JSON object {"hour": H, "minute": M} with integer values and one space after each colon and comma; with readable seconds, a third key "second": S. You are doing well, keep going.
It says {"hour": 7, "minute": 21}
